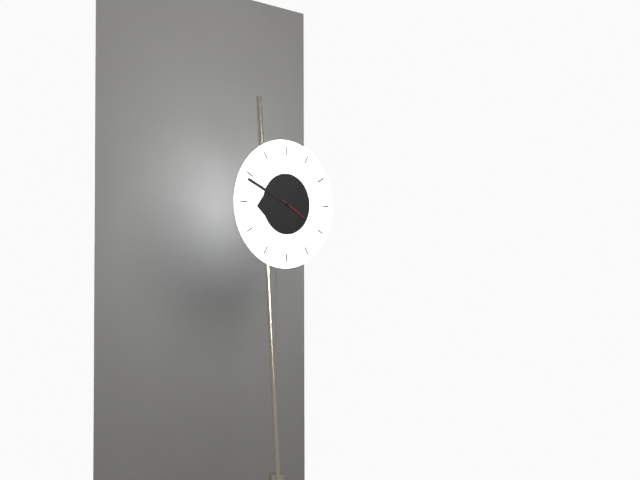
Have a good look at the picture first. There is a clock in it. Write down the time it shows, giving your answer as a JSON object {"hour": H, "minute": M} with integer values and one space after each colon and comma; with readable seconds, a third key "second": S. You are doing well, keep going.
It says {"hour": 8, "minute": 49}
